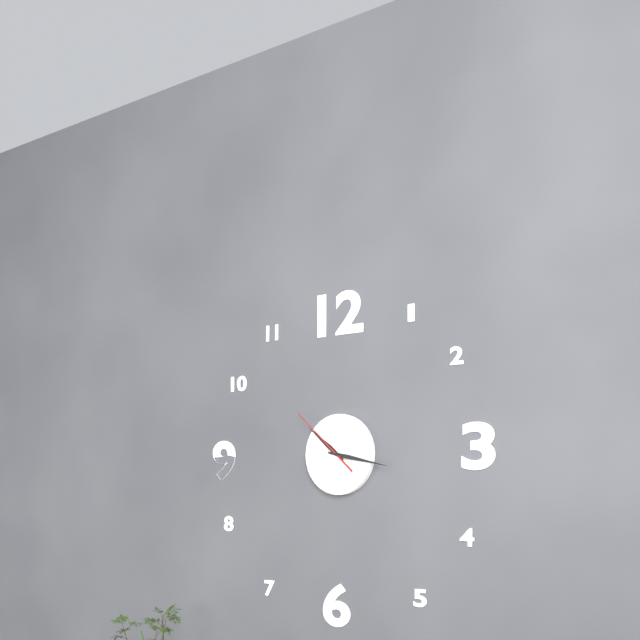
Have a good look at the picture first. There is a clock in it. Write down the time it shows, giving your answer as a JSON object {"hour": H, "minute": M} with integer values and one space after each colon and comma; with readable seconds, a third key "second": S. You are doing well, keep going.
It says {"hour": 10, "minute": 17, "second": 52}
